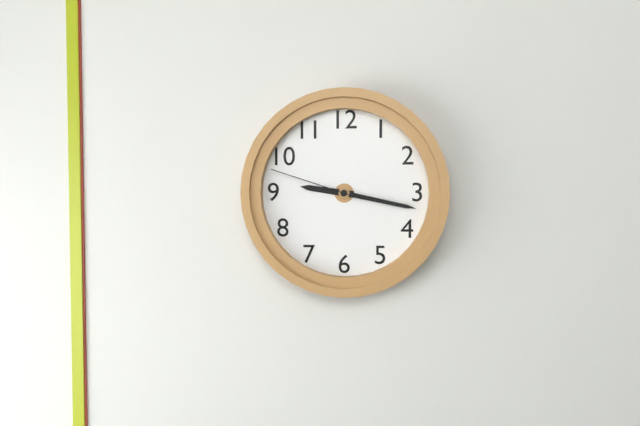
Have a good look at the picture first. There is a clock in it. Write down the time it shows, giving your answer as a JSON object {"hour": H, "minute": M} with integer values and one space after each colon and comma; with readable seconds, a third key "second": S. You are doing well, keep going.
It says {"hour": 9, "minute": 17, "second": 48}
